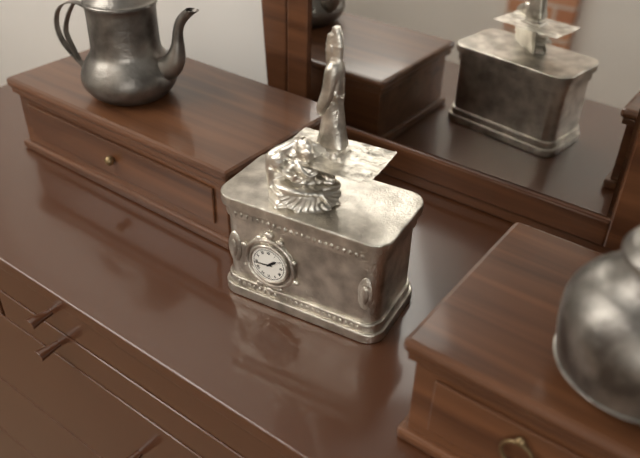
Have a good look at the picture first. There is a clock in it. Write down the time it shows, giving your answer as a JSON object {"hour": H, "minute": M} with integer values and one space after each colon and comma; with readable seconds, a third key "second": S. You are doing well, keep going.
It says {"hour": 1, "minute": 44}
